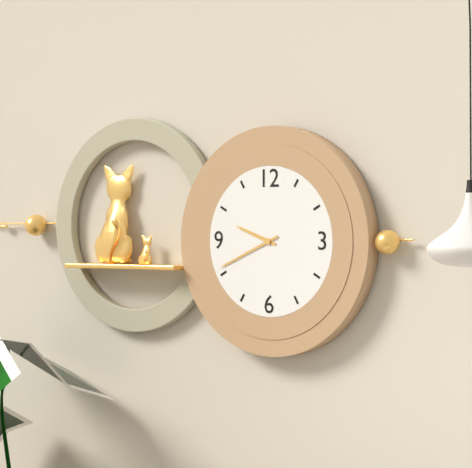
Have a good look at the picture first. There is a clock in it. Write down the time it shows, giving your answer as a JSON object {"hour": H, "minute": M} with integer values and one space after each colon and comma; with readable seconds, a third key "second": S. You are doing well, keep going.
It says {"hour": 9, "minute": 41}
